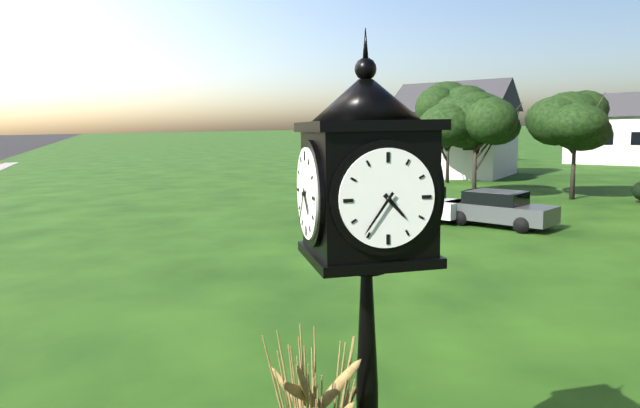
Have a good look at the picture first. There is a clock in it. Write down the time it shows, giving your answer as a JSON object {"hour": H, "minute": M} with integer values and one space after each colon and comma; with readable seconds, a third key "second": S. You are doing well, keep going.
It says {"hour": 4, "minute": 36}
